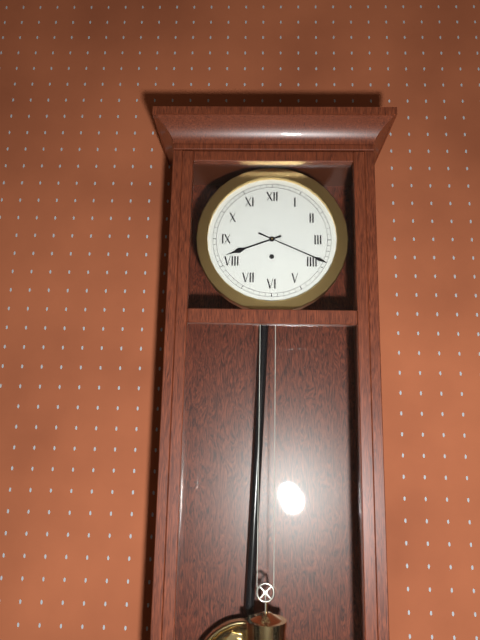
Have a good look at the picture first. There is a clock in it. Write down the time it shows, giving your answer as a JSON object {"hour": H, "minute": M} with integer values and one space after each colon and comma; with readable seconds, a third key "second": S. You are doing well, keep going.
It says {"hour": 8, "minute": 19}
